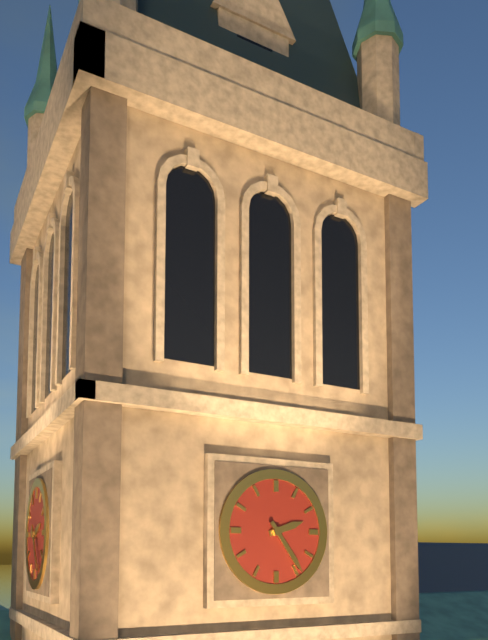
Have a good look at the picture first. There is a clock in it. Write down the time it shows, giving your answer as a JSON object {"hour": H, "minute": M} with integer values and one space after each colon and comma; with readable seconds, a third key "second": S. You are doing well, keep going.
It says {"hour": 2, "minute": 24}
